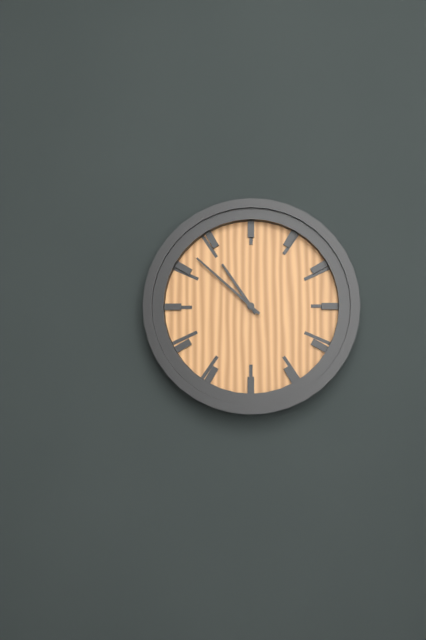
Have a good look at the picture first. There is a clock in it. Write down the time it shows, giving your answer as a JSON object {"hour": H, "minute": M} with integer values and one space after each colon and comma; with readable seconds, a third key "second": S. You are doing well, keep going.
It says {"hour": 10, "minute": 52}
